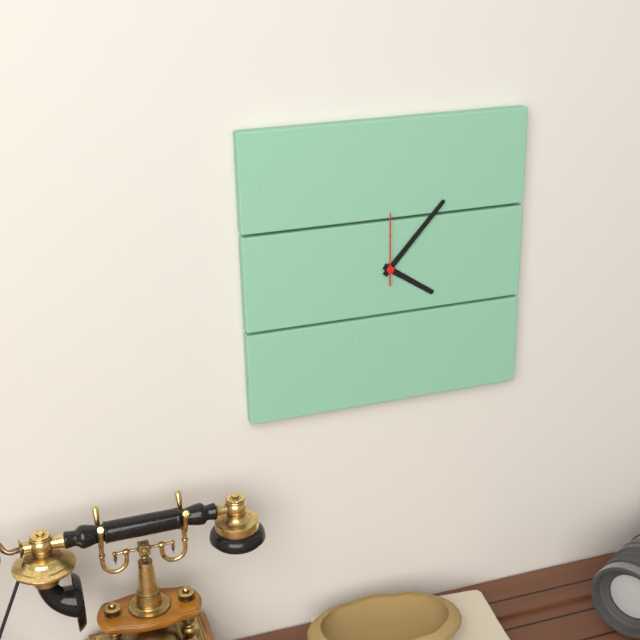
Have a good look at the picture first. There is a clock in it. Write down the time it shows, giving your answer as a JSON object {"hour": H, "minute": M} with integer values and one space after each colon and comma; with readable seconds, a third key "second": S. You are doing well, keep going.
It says {"hour": 4, "minute": 7, "second": 0}
